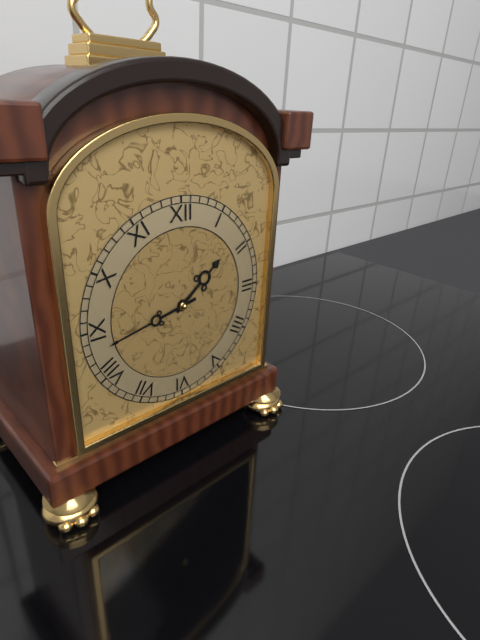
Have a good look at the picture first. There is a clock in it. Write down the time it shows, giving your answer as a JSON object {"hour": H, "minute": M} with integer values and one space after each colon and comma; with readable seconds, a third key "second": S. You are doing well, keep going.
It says {"hour": 1, "minute": 43}
